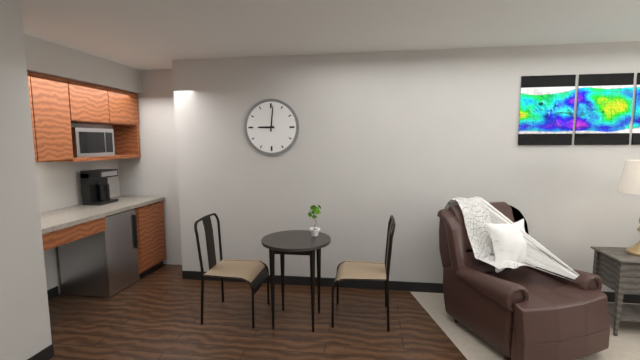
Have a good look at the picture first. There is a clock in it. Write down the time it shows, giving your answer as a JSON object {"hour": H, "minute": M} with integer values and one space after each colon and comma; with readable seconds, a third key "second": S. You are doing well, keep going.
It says {"hour": 9, "minute": 1}
